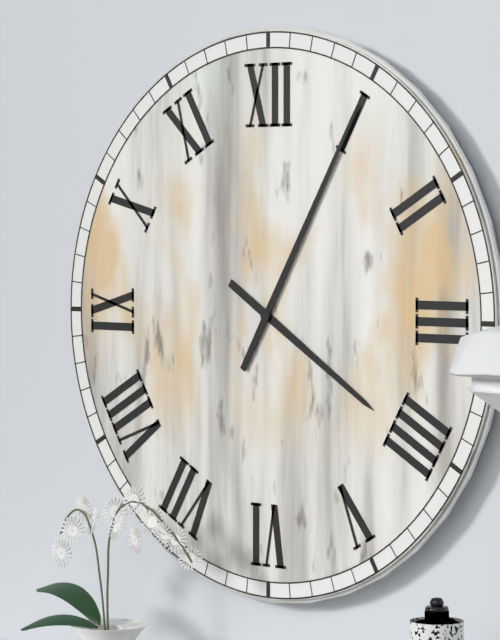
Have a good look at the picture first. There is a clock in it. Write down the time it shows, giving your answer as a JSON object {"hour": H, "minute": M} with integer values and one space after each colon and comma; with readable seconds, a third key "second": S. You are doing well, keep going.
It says {"hour": 4, "minute": 5}
